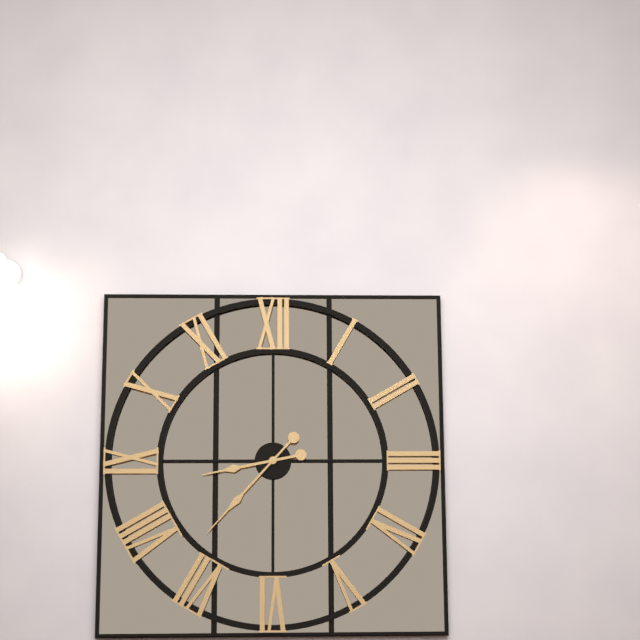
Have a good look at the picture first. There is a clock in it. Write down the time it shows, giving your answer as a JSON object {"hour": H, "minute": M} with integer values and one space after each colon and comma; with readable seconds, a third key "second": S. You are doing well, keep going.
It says {"hour": 8, "minute": 37}
